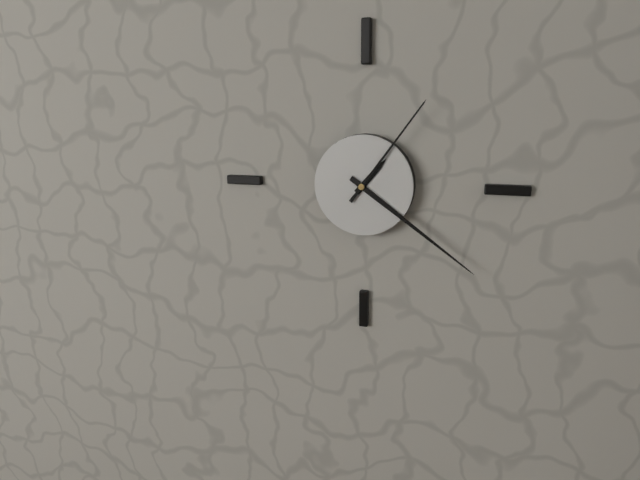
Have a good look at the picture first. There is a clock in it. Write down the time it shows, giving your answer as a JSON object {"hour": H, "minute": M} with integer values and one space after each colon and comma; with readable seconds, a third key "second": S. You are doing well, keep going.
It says {"hour": 1, "minute": 21, "second": 6}
